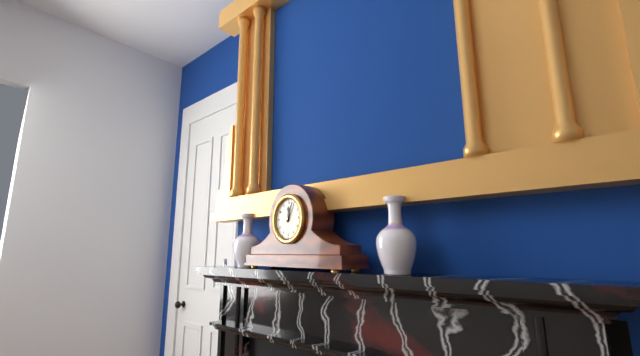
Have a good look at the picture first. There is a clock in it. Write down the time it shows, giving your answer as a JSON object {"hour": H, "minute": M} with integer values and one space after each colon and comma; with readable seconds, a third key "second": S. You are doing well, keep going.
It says {"hour": 12, "minute": 4}
